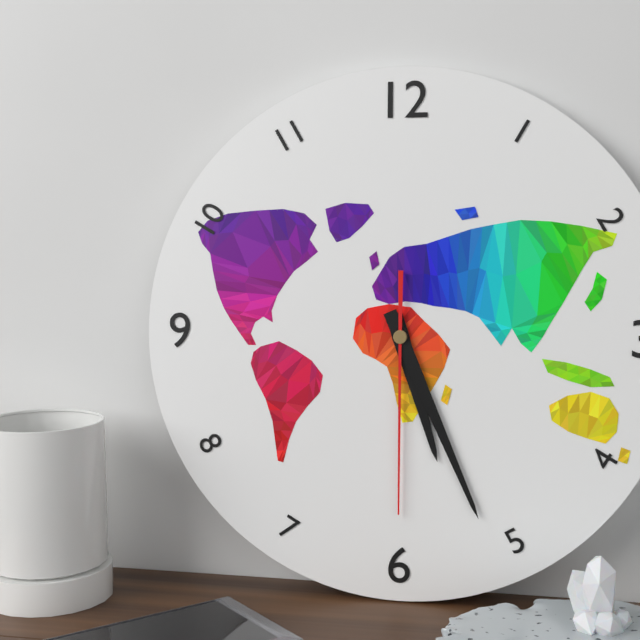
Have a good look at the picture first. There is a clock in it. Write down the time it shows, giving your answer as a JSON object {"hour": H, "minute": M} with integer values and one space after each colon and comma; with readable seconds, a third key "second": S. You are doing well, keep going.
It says {"hour": 5, "minute": 26, "second": 30}
